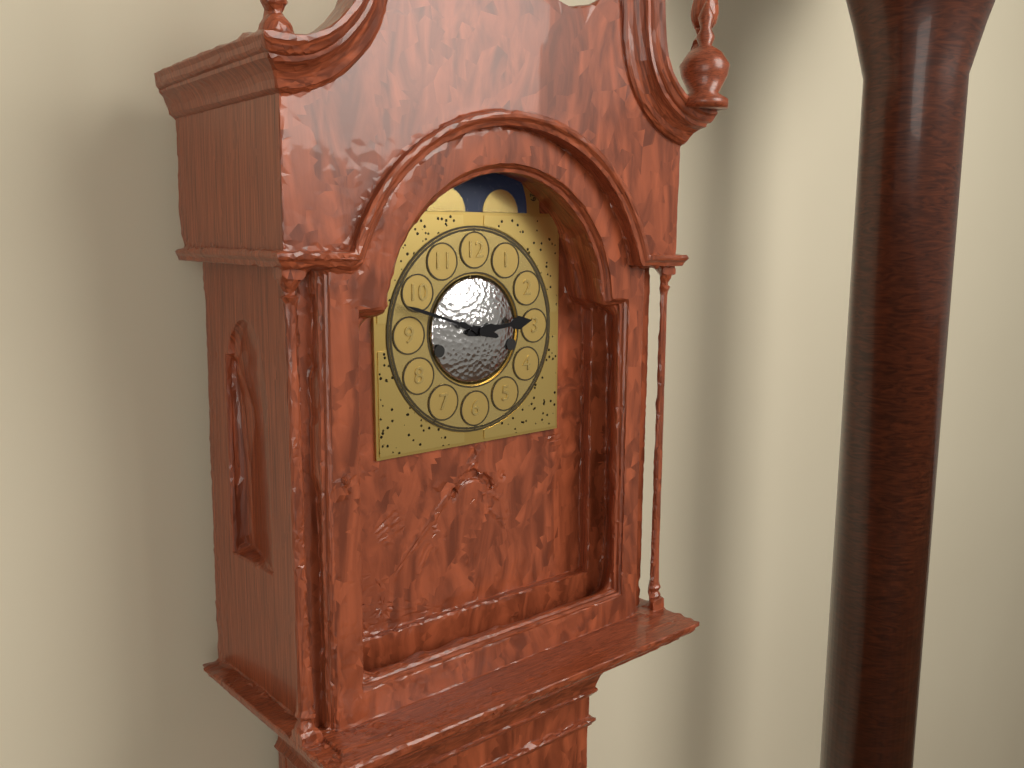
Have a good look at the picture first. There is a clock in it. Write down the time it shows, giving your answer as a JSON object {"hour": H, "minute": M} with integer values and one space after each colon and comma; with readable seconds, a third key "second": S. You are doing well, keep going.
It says {"hour": 2, "minute": 48}
